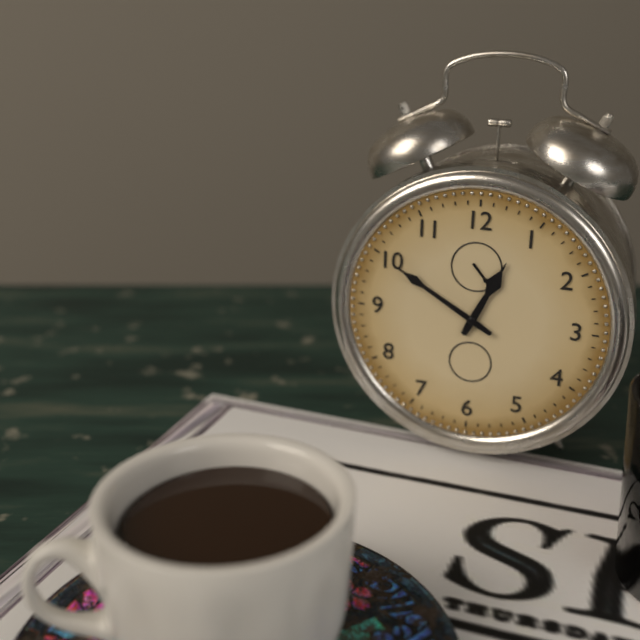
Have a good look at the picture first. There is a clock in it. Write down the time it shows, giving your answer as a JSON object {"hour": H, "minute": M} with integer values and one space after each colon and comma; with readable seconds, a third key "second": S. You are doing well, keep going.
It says {"hour": 12, "minute": 50}
